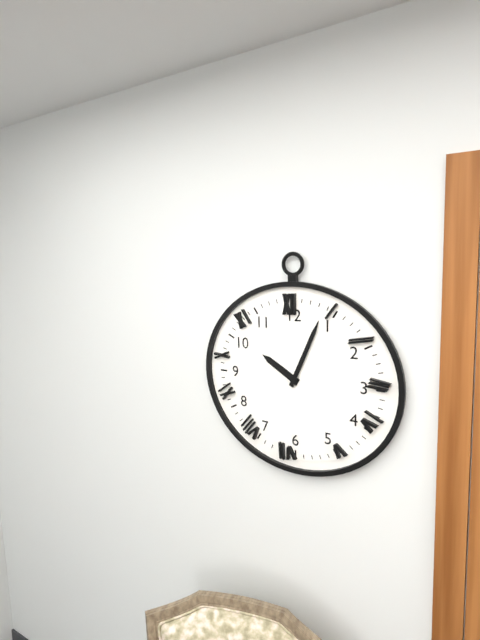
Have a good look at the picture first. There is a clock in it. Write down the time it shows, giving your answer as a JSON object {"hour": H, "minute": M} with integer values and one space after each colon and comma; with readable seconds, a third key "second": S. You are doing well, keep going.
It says {"hour": 10, "minute": 4}
